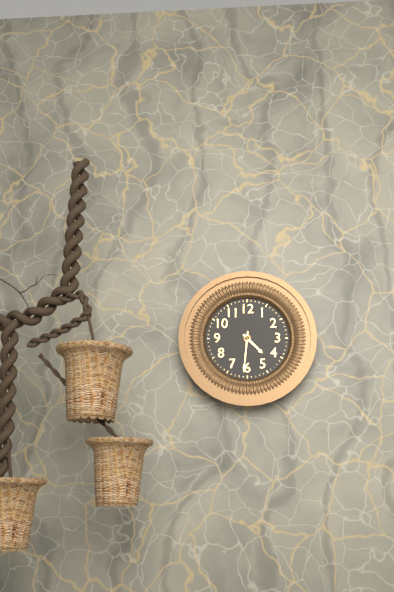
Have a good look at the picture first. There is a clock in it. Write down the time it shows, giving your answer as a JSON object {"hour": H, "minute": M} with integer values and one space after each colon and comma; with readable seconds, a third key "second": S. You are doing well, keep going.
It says {"hour": 4, "minute": 31}
